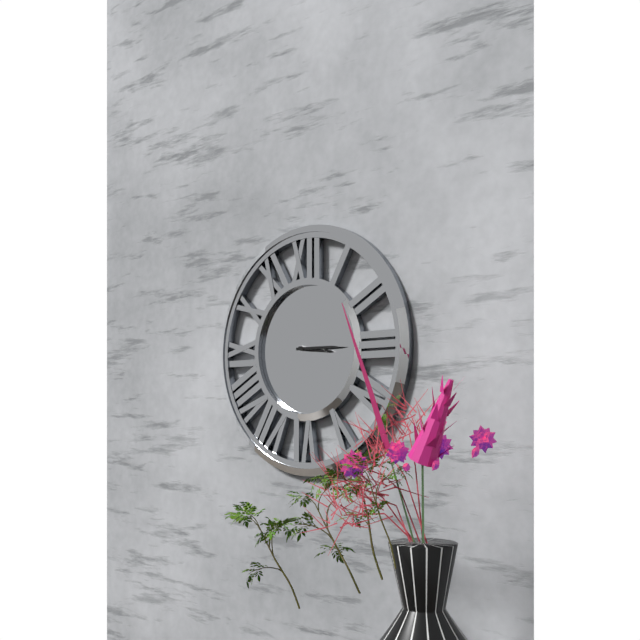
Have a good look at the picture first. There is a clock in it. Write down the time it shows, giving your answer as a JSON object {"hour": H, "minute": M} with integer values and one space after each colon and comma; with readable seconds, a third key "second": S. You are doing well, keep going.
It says {"hour": 3, "minute": 15}
